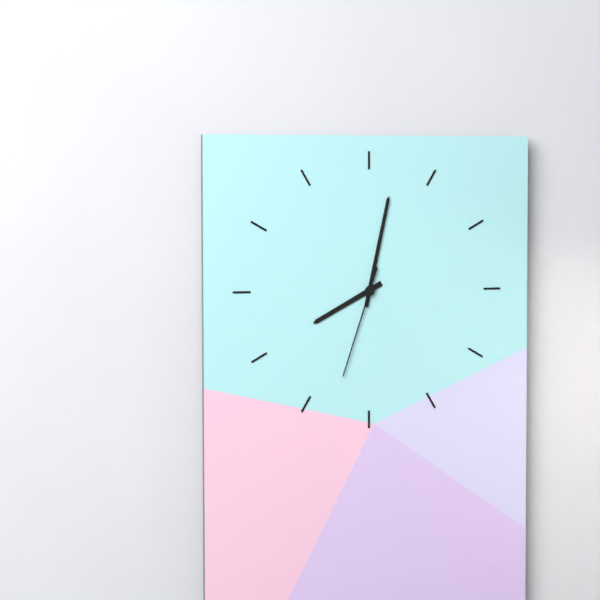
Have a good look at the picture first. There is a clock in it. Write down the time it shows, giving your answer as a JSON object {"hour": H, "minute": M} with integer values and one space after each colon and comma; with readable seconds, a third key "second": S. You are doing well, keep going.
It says {"hour": 8, "minute": 2, "second": 33}
